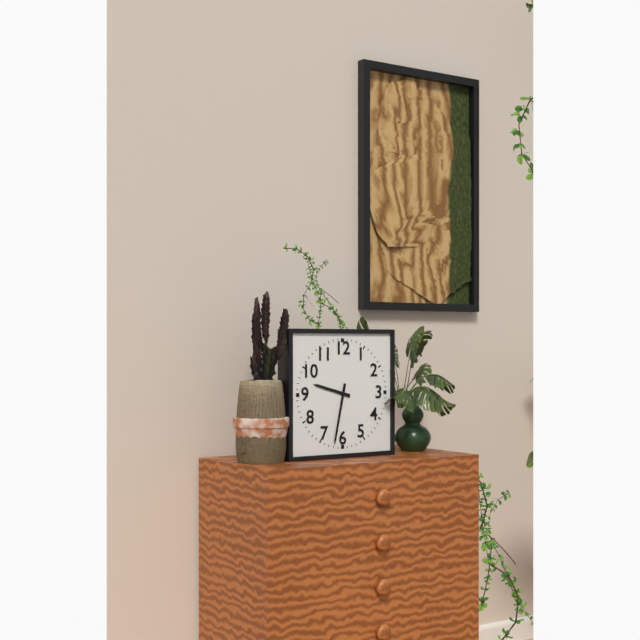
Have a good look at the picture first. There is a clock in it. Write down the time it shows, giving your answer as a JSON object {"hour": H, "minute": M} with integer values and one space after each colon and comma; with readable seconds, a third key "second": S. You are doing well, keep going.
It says {"hour": 9, "minute": 32}
